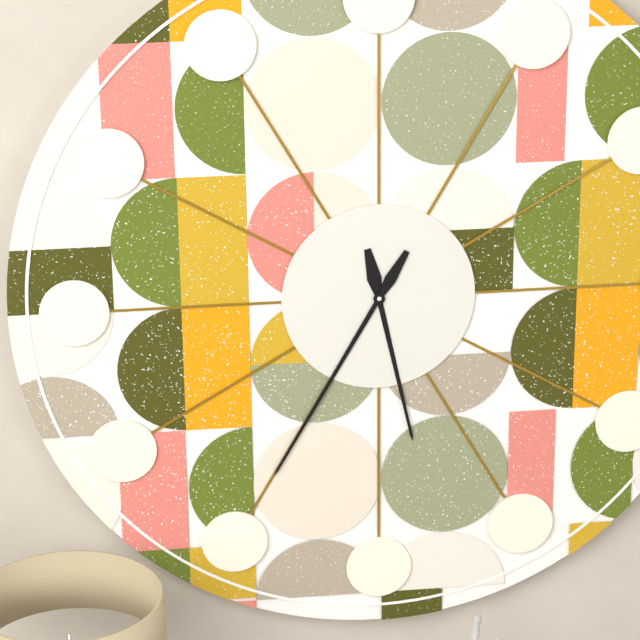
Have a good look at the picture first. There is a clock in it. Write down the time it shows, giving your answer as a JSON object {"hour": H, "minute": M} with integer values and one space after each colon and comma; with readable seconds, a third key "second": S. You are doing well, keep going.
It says {"hour": 5, "minute": 35}
